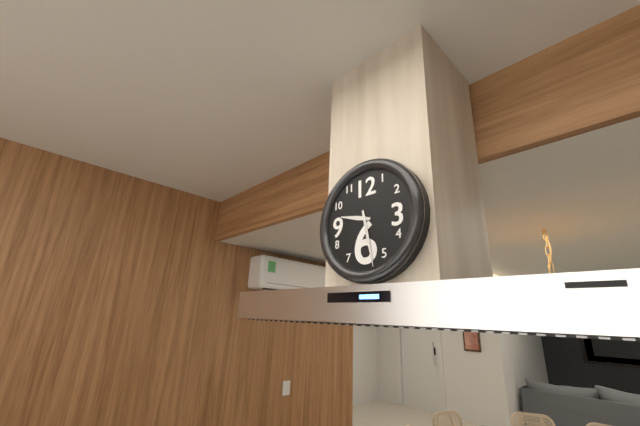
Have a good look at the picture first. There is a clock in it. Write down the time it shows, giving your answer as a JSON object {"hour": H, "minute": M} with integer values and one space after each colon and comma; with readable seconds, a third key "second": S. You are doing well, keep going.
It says {"hour": 9, "minute": 28}
